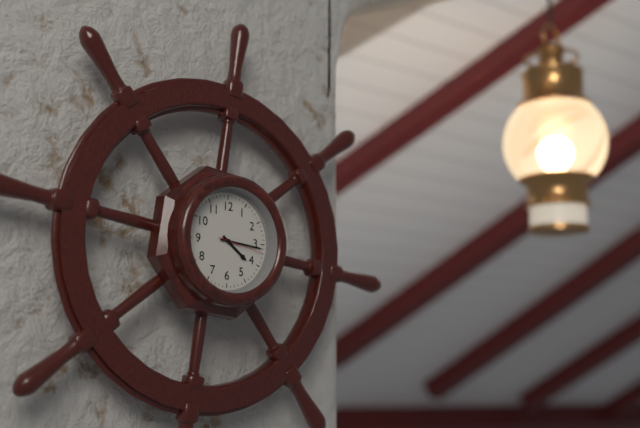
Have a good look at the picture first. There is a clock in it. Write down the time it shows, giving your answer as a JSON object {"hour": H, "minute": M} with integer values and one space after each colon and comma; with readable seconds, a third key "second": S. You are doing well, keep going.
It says {"hour": 4, "minute": 16}
